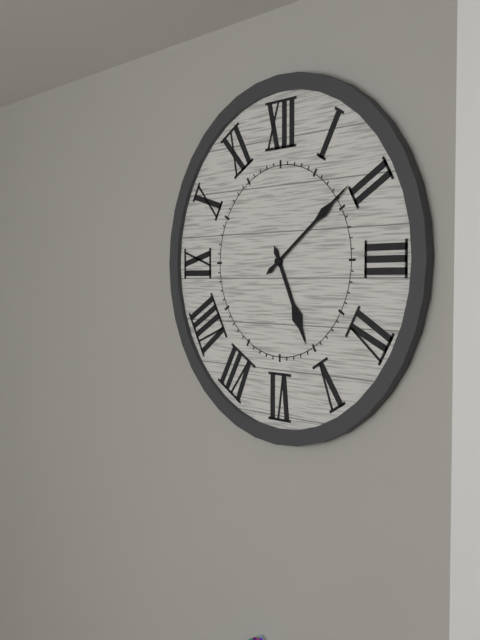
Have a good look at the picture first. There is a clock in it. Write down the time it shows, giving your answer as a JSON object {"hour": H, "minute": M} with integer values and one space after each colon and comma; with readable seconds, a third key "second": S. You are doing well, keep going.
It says {"hour": 5, "minute": 9}
